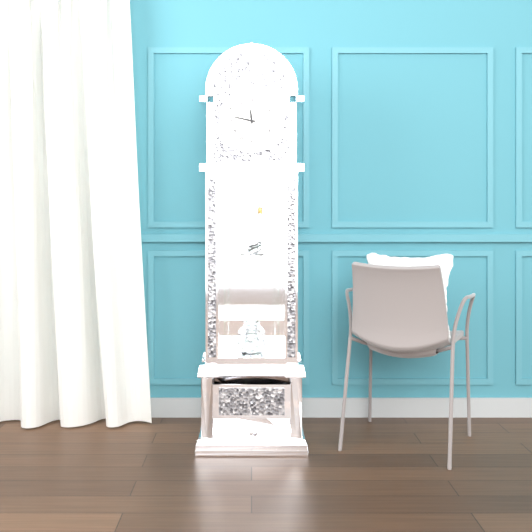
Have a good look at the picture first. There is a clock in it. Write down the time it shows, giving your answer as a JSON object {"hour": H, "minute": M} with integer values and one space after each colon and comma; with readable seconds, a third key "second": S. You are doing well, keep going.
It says {"hour": 11, "minute": 47}
